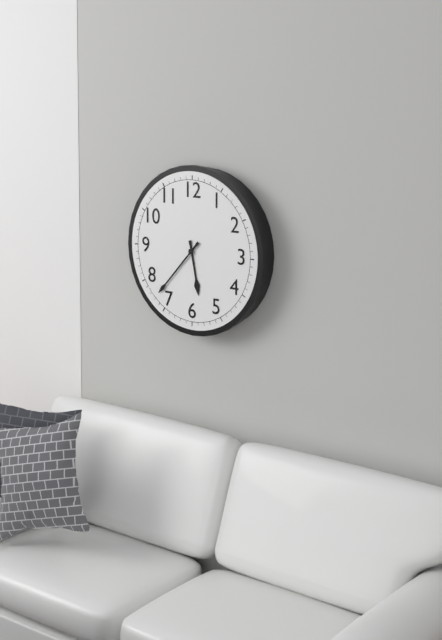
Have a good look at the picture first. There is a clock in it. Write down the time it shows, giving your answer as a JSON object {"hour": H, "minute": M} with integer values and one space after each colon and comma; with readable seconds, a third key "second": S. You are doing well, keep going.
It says {"hour": 5, "minute": 37}
